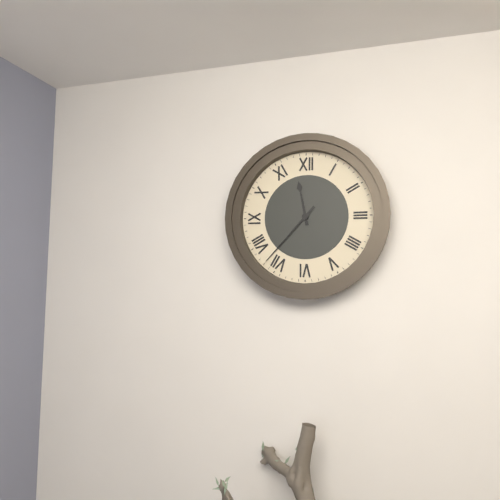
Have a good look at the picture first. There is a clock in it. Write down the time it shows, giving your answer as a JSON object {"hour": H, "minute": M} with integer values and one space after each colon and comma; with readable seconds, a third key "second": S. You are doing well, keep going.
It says {"hour": 11, "minute": 37}
